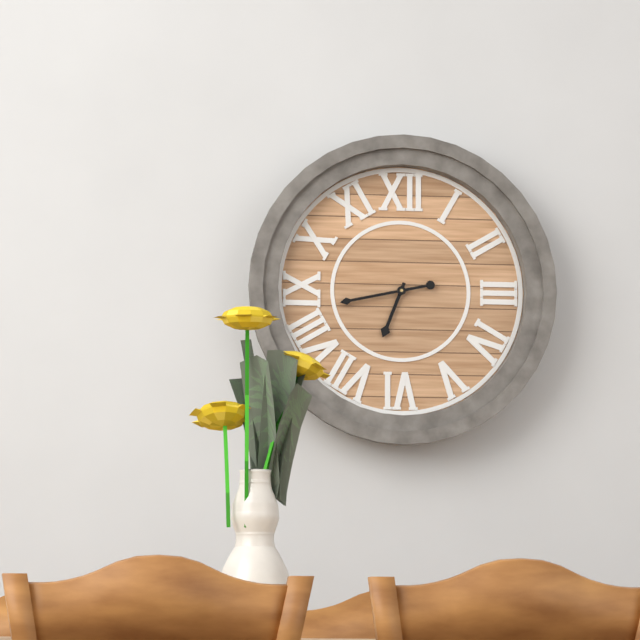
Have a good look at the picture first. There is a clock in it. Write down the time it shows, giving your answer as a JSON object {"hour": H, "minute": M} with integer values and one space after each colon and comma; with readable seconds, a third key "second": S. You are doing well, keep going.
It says {"hour": 6, "minute": 43}
